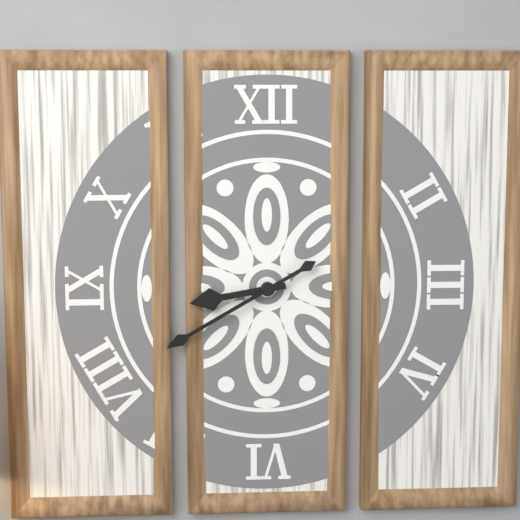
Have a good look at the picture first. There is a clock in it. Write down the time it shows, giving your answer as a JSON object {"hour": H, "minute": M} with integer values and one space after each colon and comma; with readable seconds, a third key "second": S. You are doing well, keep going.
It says {"hour": 8, "minute": 40}
